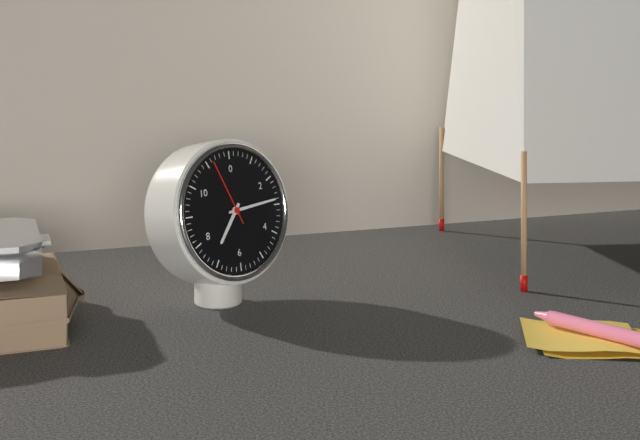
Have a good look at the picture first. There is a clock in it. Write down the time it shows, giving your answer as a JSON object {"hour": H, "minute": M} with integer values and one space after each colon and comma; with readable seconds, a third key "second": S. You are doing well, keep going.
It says {"hour": 7, "minute": 14, "second": 56}
